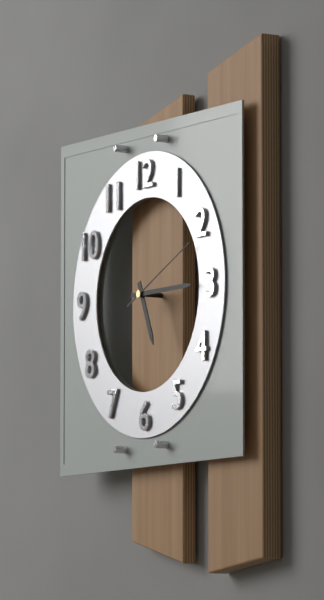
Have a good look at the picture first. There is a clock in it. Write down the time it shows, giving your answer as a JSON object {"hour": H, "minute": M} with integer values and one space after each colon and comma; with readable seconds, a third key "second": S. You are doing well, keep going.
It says {"hour": 5, "minute": 15, "second": 11}
